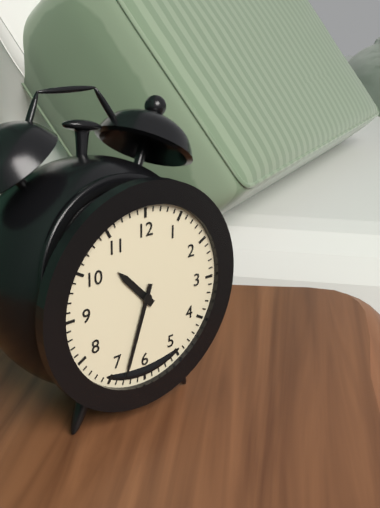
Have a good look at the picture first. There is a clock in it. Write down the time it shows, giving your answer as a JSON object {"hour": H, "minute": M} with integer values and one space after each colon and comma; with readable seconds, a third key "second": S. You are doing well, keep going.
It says {"hour": 10, "minute": 33}
